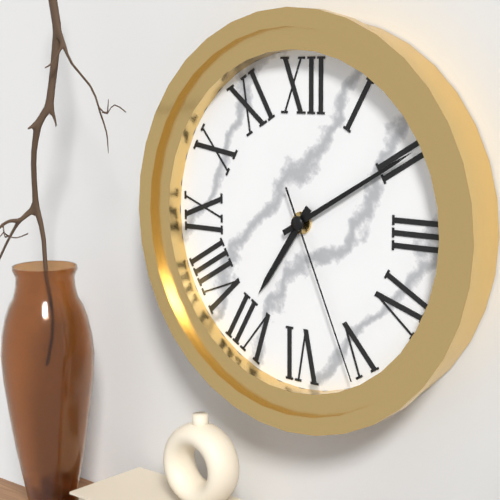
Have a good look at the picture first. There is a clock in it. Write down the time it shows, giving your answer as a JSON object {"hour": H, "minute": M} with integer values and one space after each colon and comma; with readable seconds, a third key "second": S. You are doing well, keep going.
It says {"hour": 7, "minute": 10, "second": 26}
